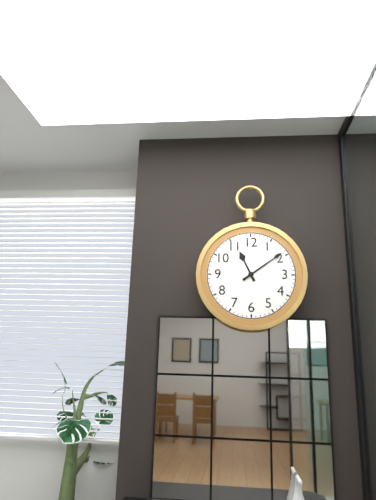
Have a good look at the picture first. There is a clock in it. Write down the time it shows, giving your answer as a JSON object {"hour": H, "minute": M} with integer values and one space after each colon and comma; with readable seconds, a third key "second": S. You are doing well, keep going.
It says {"hour": 11, "minute": 9}
